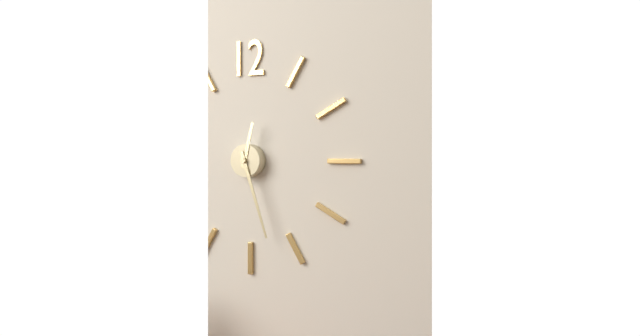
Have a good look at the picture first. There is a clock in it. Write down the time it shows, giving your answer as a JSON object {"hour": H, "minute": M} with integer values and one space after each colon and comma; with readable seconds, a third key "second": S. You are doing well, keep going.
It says {"hour": 12, "minute": 27}
